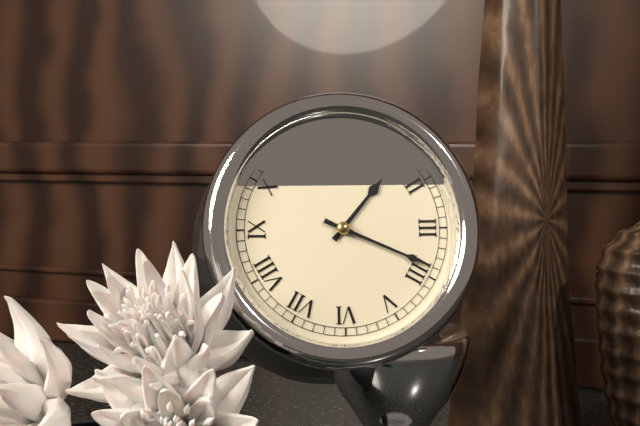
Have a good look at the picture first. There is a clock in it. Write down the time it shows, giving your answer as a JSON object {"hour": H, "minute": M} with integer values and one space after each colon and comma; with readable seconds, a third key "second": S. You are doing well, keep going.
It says {"hour": 1, "minute": 19}
